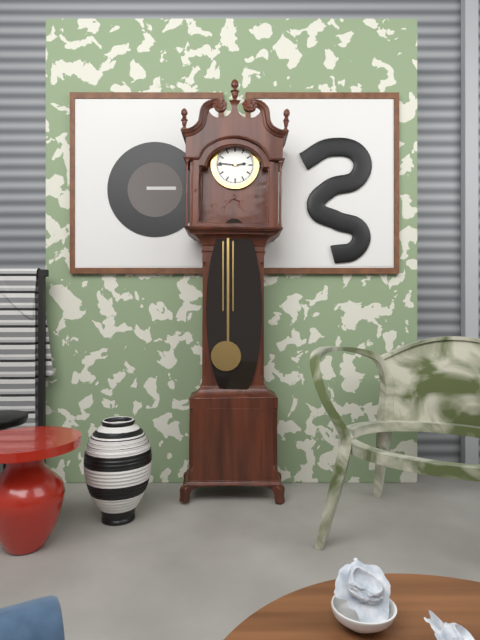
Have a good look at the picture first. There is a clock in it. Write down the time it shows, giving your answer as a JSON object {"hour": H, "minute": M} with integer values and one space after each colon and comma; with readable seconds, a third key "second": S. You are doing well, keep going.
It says {"hour": 2, "minute": 46}
